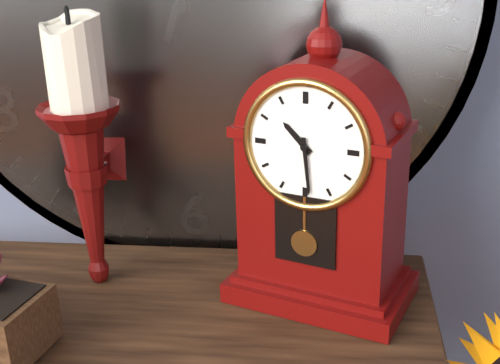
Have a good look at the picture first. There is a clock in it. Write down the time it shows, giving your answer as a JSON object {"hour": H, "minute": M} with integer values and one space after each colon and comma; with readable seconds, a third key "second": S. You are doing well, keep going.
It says {"hour": 10, "minute": 29}
